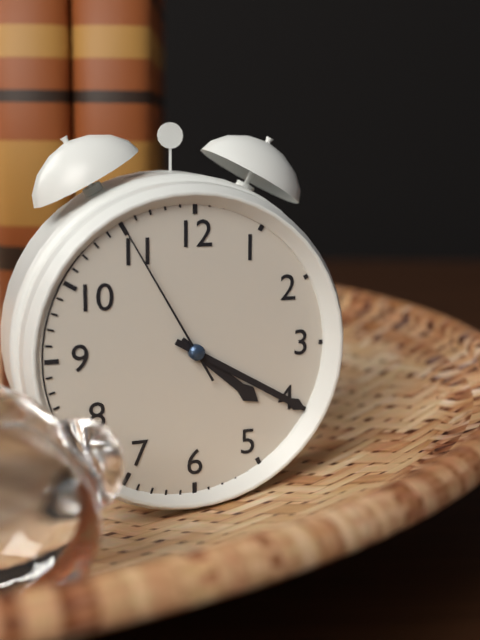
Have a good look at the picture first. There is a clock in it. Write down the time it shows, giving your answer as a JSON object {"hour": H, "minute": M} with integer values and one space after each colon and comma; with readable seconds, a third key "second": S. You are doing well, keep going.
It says {"hour": 4, "minute": 20, "second": 55}
